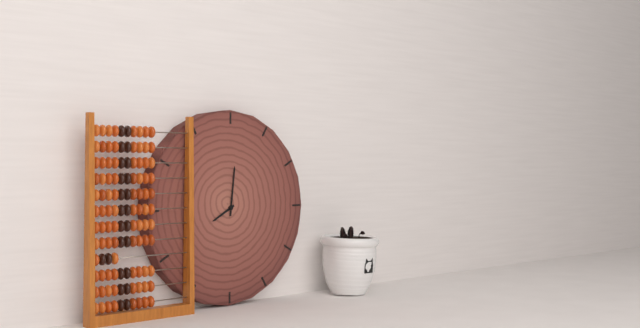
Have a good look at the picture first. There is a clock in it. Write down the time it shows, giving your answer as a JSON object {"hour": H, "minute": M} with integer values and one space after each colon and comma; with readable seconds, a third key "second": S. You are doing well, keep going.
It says {"hour": 8, "minute": 1}
